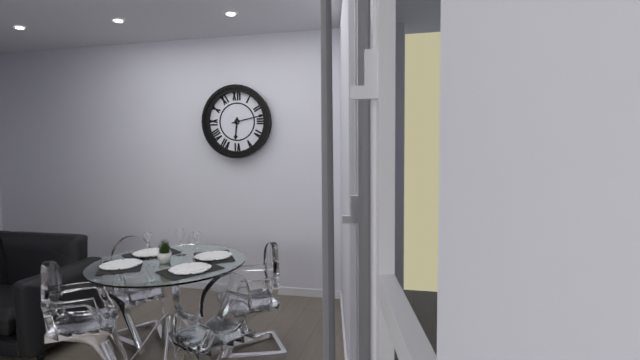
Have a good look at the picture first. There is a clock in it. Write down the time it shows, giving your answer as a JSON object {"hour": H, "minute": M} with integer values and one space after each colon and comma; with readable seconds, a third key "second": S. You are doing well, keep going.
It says {"hour": 6, "minute": 13}
